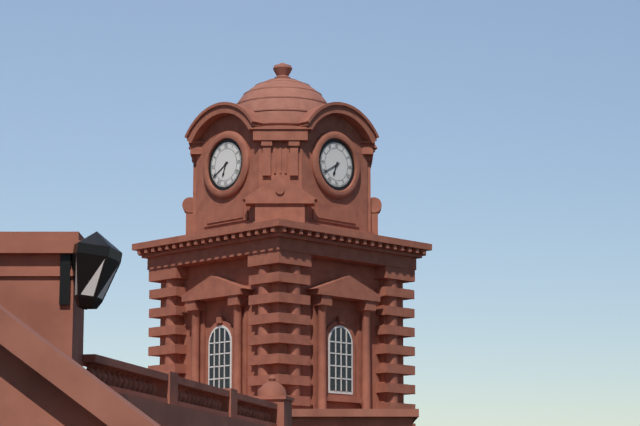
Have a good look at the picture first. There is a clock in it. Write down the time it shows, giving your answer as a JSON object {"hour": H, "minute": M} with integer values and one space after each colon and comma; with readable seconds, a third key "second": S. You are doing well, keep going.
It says {"hour": 6, "minute": 40}
